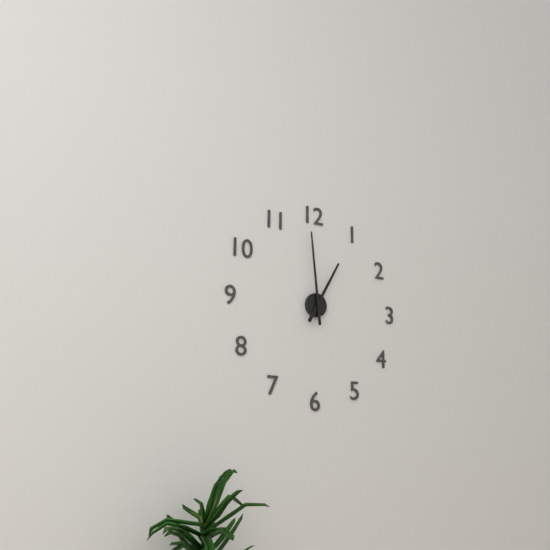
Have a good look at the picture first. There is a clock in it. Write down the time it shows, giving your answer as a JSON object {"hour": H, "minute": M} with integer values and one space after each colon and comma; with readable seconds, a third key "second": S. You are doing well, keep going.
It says {"hour": 12, "minute": 59}
